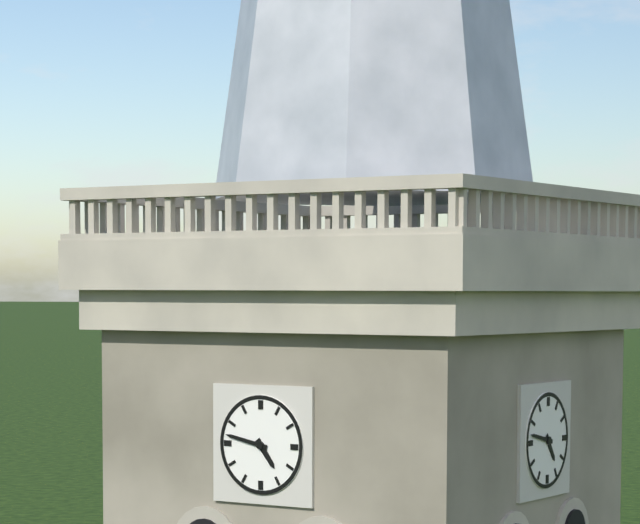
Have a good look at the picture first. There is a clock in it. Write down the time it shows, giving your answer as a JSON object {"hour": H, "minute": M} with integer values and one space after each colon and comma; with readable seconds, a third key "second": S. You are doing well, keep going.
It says {"hour": 4, "minute": 47}
